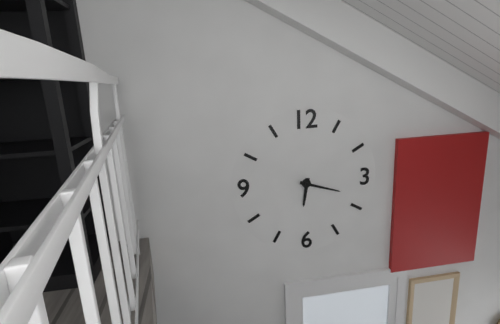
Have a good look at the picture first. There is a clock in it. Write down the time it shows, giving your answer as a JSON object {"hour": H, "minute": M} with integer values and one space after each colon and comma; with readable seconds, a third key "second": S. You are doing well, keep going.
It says {"hour": 6, "minute": 18}
